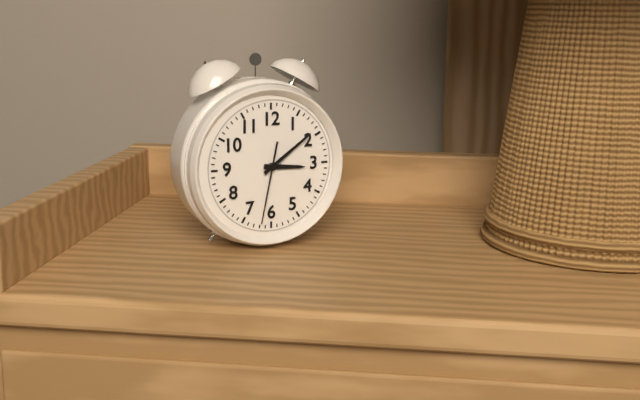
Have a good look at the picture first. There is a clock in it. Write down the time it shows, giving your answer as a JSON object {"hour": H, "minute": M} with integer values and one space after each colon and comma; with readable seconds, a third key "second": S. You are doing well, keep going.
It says {"hour": 3, "minute": 9, "second": 32}
